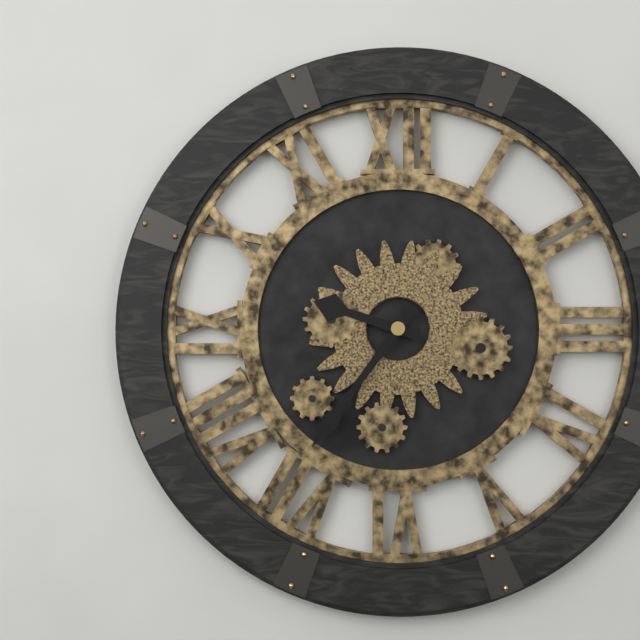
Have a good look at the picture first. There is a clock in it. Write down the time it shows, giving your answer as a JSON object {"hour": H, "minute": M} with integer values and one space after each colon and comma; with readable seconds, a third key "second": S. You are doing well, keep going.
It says {"hour": 9, "minute": 36}
